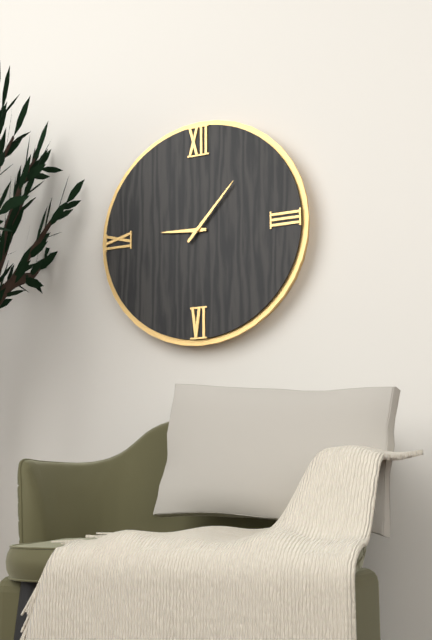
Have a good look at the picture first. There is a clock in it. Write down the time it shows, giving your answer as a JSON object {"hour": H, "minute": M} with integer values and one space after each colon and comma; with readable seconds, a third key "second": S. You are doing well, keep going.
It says {"hour": 9, "minute": 7}
